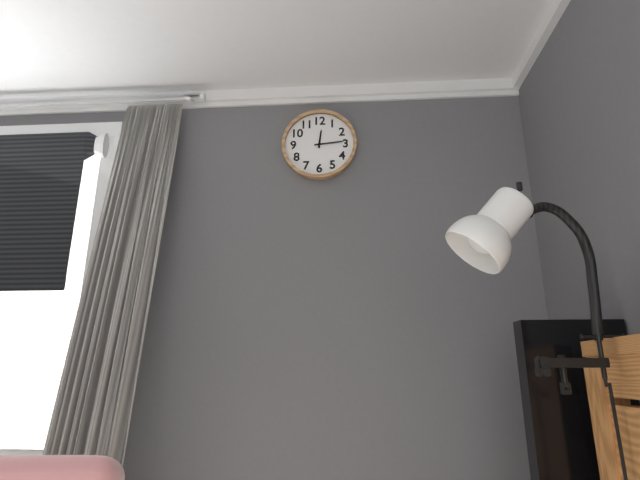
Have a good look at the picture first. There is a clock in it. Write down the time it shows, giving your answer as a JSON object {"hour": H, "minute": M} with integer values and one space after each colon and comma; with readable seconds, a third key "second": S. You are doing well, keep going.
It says {"hour": 12, "minute": 14}
